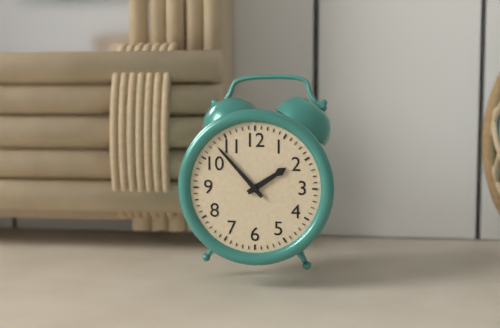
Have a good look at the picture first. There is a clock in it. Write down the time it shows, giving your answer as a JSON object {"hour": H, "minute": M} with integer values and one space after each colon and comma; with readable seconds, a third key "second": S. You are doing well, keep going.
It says {"hour": 1, "minute": 53}
